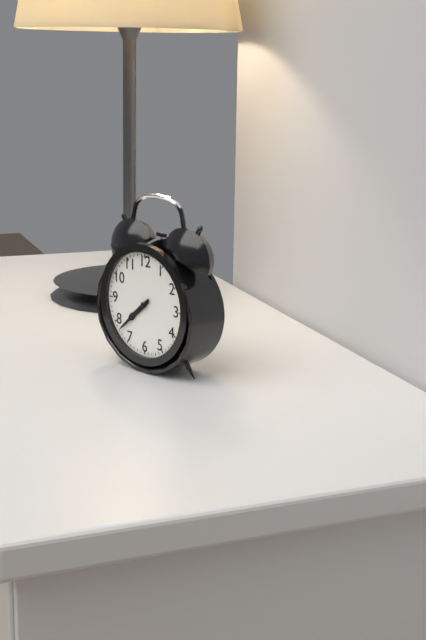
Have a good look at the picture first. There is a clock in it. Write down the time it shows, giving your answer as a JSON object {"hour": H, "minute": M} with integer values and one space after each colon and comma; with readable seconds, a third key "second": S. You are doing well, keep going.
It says {"hour": 7, "minute": 38}
